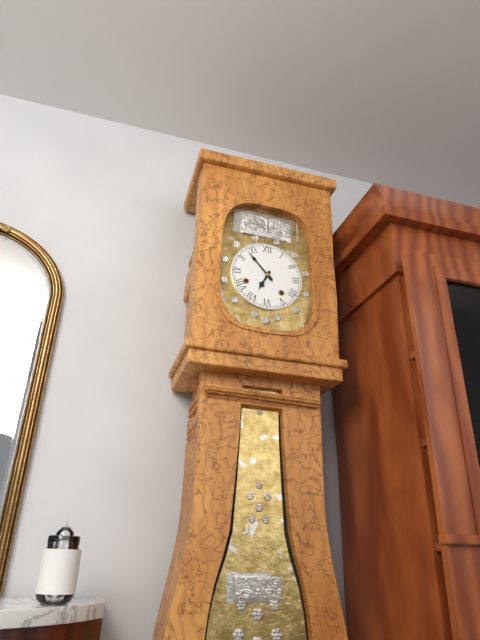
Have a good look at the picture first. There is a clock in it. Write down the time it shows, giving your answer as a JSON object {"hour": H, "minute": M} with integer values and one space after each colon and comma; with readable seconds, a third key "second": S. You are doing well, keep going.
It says {"hour": 6, "minute": 53}
